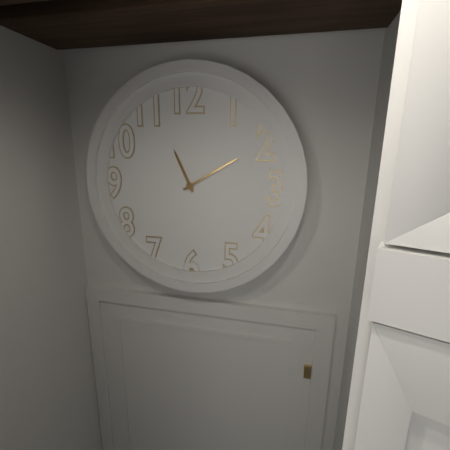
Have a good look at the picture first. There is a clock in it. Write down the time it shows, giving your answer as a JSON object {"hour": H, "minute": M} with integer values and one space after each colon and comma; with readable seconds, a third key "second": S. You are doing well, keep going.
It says {"hour": 11, "minute": 10}
